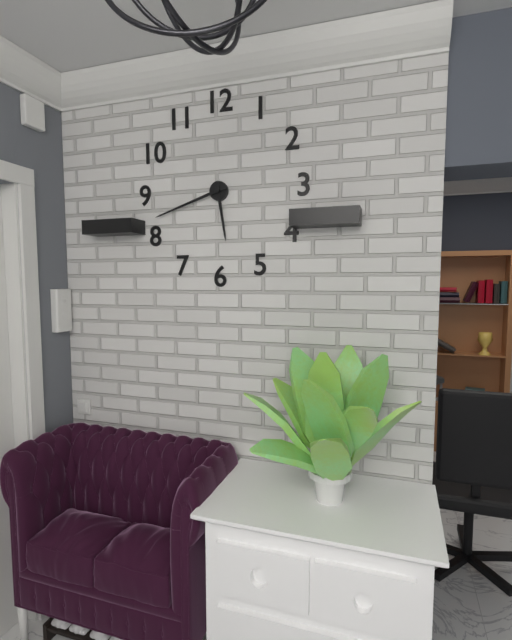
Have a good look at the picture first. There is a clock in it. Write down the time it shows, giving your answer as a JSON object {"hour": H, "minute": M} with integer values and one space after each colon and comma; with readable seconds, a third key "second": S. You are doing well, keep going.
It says {"hour": 5, "minute": 42}
